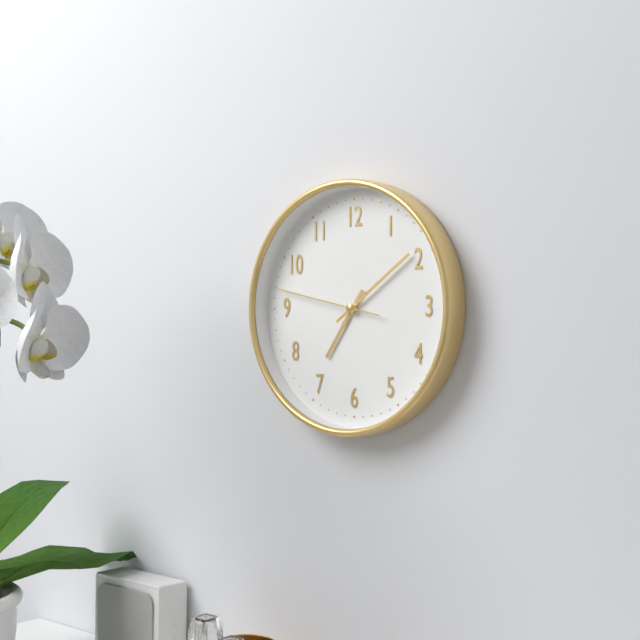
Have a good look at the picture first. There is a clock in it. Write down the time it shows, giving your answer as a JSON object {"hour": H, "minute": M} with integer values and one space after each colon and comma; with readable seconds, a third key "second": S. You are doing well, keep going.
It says {"hour": 7, "minute": 9, "second": 47}
